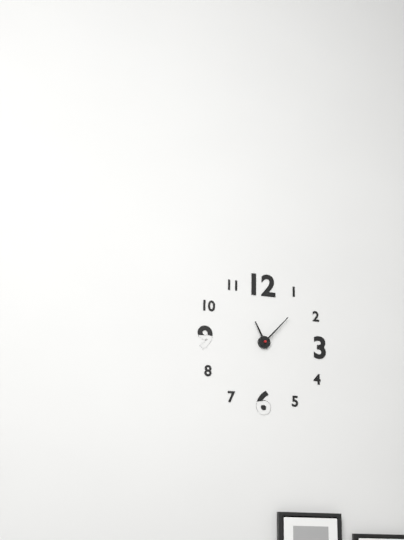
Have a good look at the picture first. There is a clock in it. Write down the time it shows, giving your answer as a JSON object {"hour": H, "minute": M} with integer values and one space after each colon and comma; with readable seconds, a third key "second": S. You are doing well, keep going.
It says {"hour": 11, "minute": 7}
